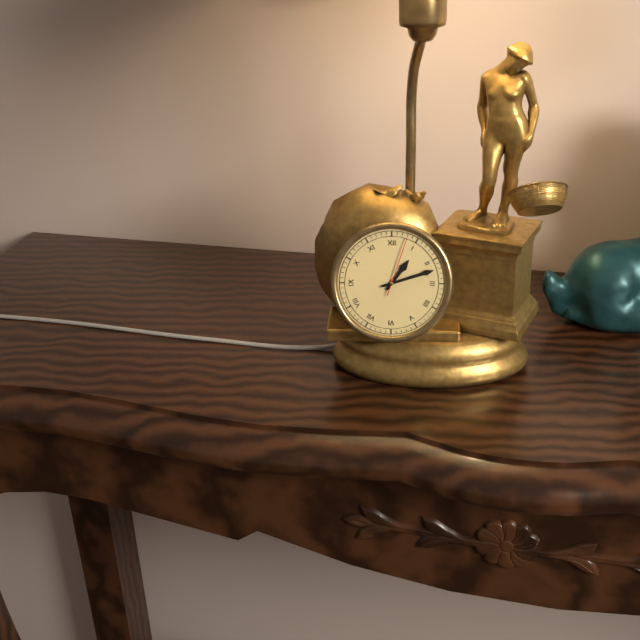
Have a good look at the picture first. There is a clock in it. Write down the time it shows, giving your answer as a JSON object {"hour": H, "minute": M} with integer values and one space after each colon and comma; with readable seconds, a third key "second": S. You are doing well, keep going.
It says {"hour": 1, "minute": 12, "second": 3}
